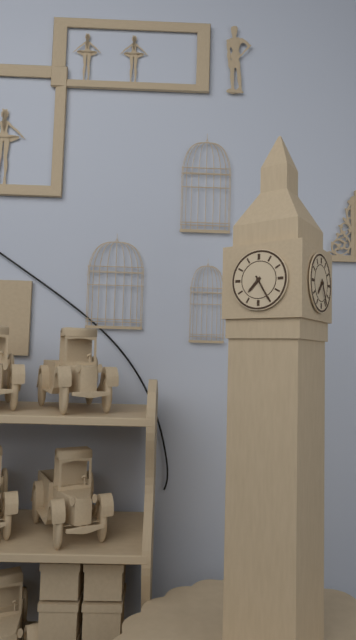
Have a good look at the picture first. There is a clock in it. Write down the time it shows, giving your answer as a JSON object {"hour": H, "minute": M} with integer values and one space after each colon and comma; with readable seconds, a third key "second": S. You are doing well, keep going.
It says {"hour": 7, "minute": 25}
